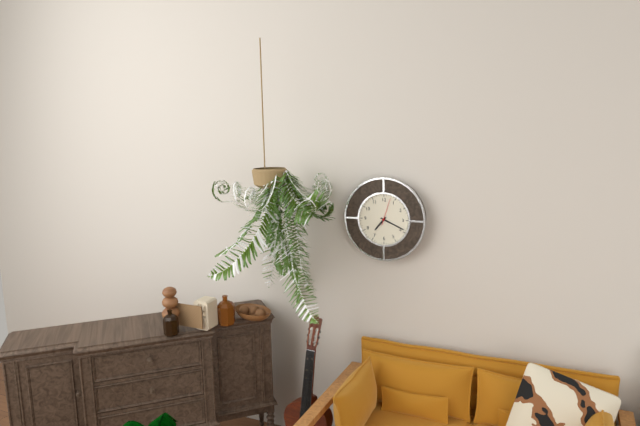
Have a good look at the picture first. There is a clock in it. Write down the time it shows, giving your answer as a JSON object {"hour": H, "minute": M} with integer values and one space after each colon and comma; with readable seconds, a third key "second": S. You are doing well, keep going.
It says {"hour": 7, "minute": 19}
